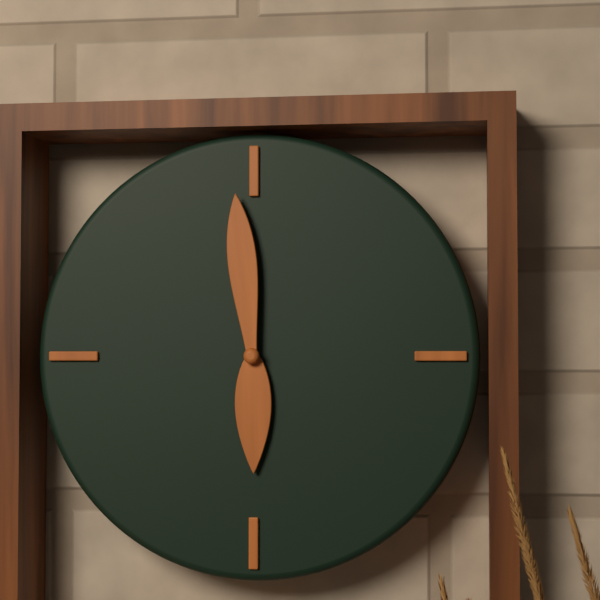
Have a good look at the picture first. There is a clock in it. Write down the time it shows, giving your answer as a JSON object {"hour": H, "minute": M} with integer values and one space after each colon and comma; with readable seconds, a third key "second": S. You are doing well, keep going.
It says {"hour": 5, "minute": 59}
